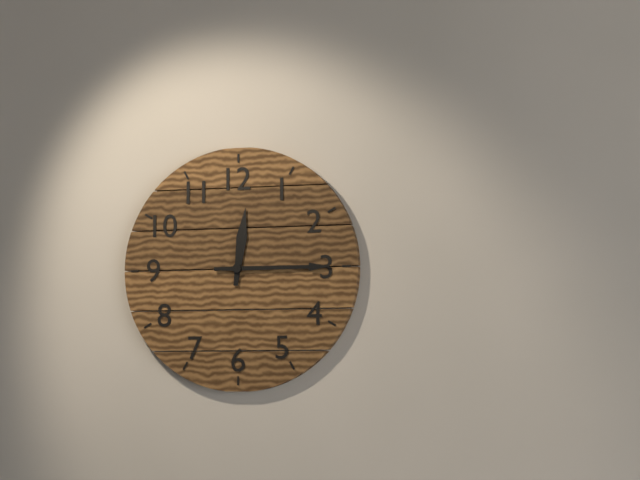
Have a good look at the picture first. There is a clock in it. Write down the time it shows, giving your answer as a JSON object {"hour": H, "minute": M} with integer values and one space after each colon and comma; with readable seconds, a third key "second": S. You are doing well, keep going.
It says {"hour": 12, "minute": 15}
